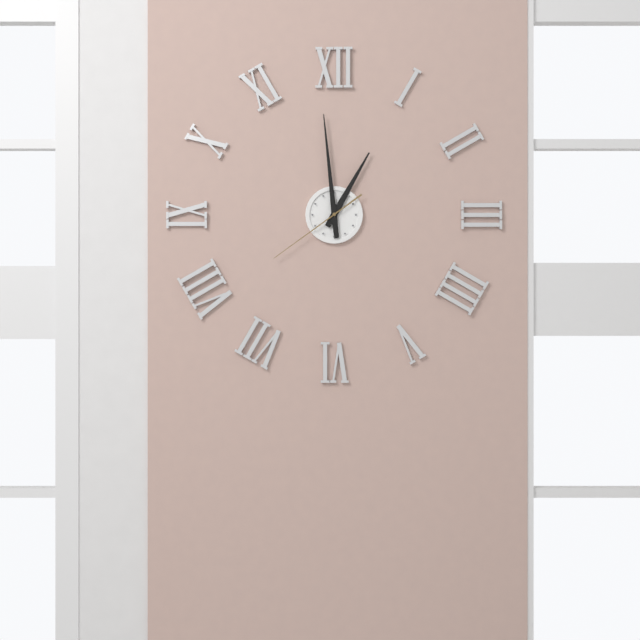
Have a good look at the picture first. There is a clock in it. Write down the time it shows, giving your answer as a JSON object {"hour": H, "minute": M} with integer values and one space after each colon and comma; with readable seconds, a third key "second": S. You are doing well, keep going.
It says {"hour": 12, "minute": 59, "second": 39}
